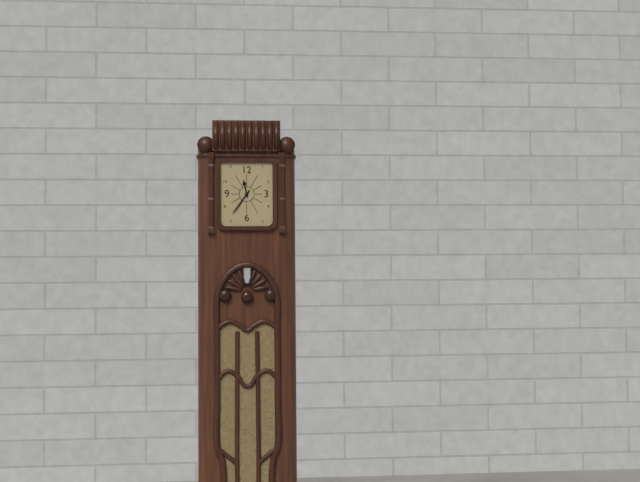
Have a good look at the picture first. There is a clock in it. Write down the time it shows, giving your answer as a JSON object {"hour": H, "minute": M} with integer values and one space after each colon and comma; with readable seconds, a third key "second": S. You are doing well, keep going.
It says {"hour": 11, "minute": 36}
